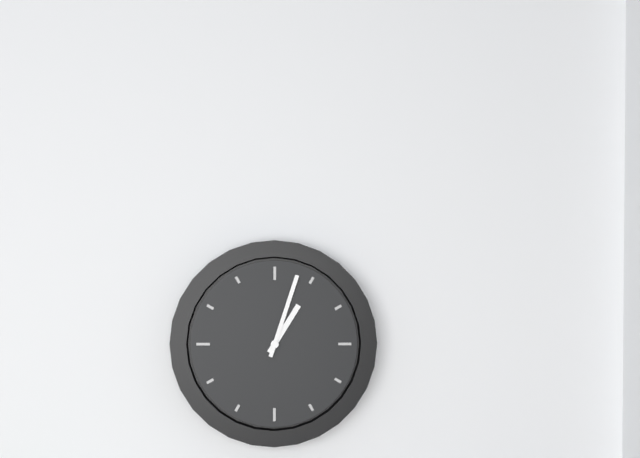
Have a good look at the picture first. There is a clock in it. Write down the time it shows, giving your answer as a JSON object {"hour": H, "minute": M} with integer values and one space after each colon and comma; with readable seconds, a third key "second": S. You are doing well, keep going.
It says {"hour": 1, "minute": 3}
